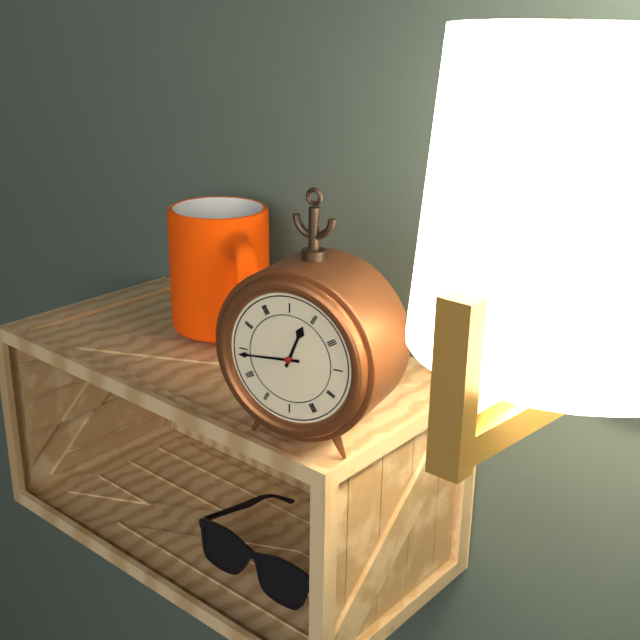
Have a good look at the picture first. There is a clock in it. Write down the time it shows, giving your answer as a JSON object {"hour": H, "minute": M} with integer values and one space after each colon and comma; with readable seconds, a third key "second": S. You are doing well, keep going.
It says {"hour": 12, "minute": 44}
